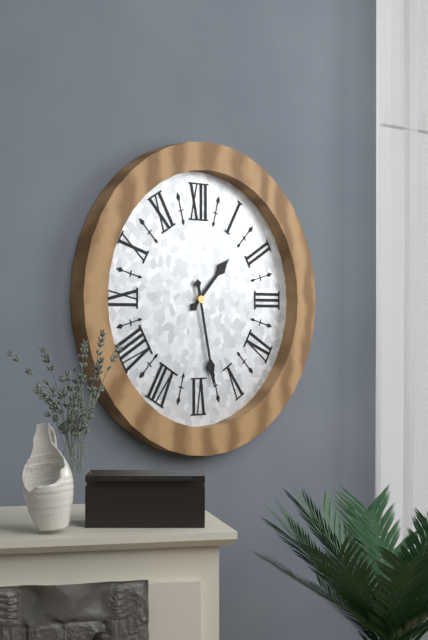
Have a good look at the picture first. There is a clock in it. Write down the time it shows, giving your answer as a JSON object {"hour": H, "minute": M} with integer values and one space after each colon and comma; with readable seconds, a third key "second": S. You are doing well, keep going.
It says {"hour": 1, "minute": 28}
